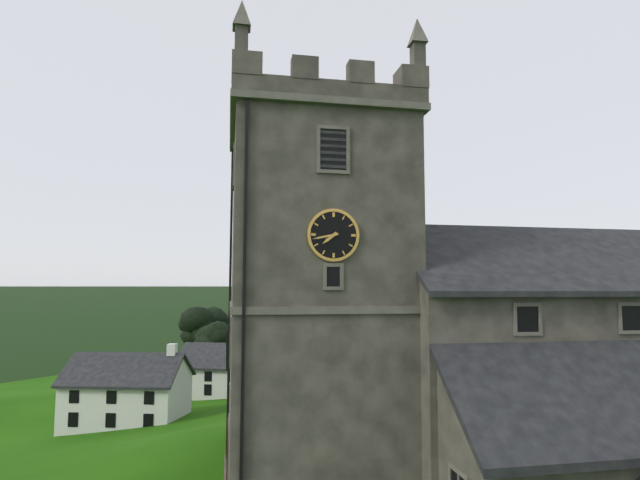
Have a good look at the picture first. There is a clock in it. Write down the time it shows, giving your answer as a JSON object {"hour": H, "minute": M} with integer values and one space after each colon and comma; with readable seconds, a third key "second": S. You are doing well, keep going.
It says {"hour": 7, "minute": 43}
